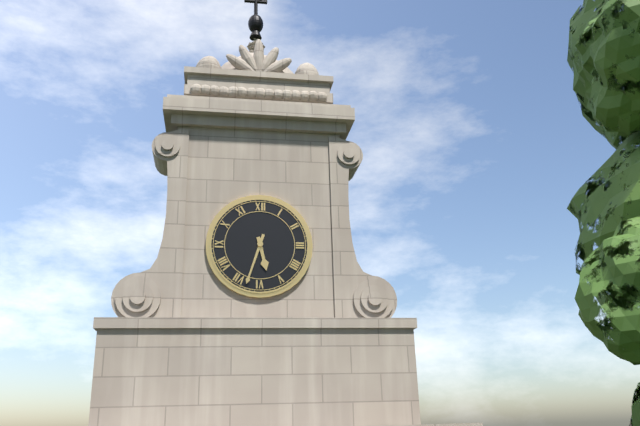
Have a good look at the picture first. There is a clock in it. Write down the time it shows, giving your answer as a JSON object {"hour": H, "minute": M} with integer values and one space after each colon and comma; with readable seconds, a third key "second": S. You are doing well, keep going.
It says {"hour": 5, "minute": 33}
